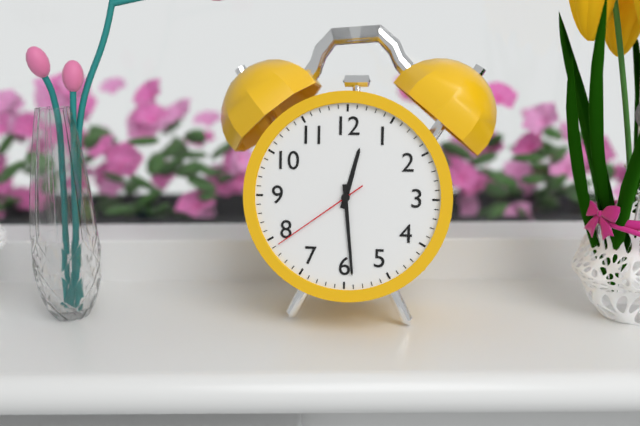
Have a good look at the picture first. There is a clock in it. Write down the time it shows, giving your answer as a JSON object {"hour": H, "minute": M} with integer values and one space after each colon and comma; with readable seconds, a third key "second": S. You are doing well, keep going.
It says {"hour": 12, "minute": 29, "second": 39}
